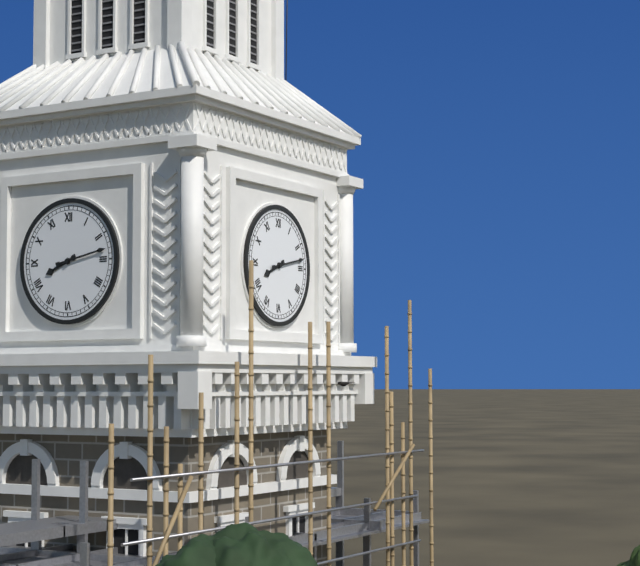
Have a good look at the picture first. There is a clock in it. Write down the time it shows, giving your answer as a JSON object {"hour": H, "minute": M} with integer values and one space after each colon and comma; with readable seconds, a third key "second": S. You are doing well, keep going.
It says {"hour": 8, "minute": 13}
